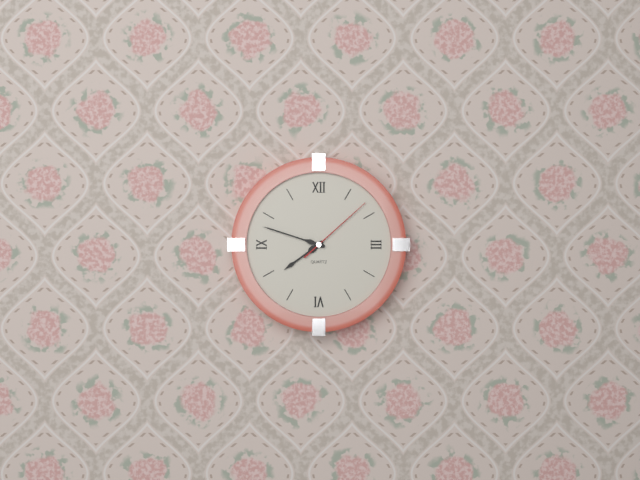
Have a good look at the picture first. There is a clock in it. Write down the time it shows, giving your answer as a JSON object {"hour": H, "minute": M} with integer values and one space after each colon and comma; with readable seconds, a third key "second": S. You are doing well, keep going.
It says {"hour": 7, "minute": 48, "second": 8}
